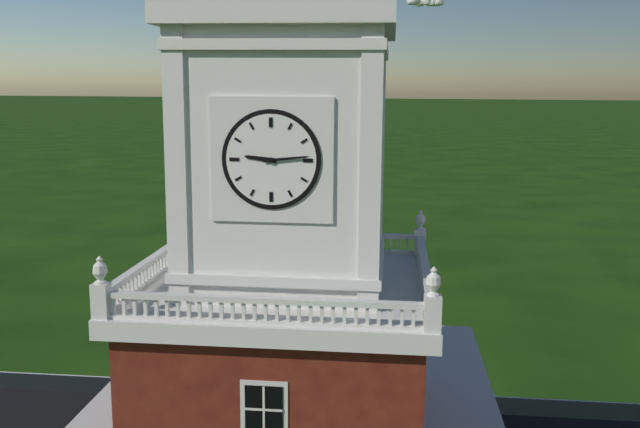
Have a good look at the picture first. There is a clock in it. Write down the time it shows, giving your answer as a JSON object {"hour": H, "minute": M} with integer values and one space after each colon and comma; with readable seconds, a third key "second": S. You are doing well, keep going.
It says {"hour": 9, "minute": 14}
